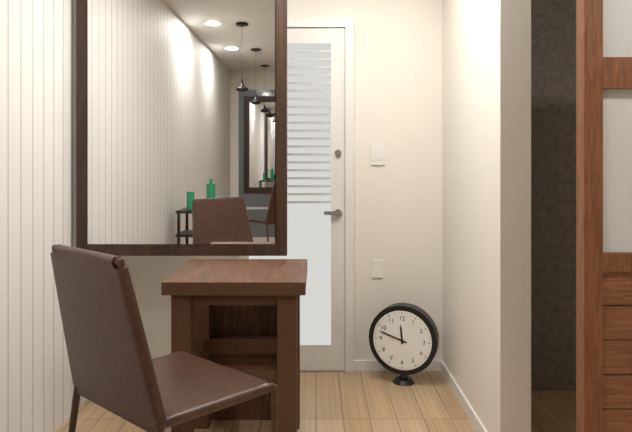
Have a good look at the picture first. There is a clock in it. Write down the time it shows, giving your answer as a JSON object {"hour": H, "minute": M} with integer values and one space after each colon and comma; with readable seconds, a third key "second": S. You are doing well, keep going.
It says {"hour": 11, "minute": 48}
